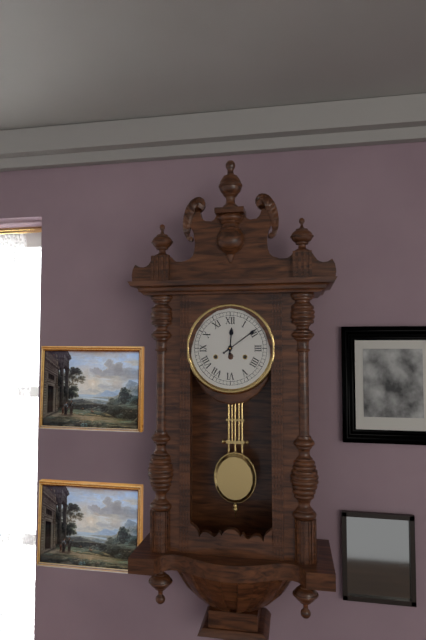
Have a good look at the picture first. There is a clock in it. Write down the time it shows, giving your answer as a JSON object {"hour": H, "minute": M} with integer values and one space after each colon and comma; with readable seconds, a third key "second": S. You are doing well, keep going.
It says {"hour": 12, "minute": 9}
